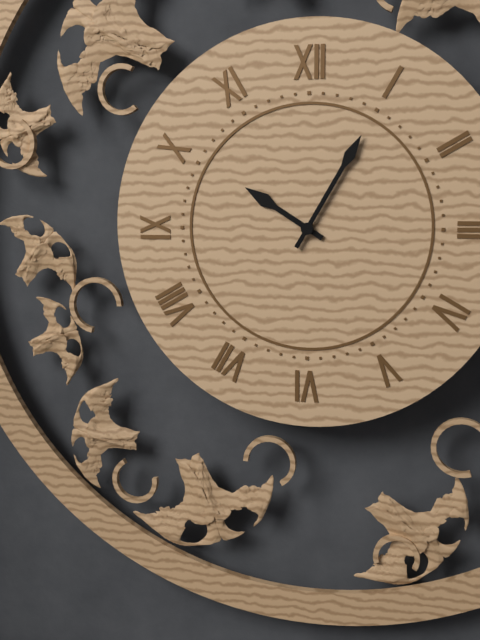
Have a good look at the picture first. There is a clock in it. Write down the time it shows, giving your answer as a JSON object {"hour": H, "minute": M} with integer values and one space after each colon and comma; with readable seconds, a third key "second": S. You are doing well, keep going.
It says {"hour": 10, "minute": 5}
